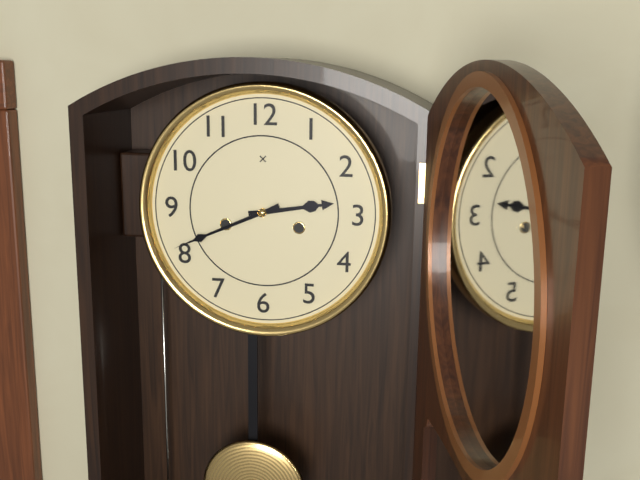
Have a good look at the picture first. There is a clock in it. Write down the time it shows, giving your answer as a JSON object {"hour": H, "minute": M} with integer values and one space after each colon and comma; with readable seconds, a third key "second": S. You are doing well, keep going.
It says {"hour": 2, "minute": 41}
